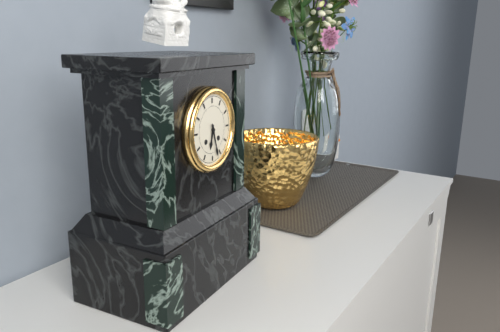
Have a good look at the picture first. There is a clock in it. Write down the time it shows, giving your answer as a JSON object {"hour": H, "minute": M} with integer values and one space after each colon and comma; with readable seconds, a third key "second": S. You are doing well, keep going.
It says {"hour": 6, "minute": 27}
